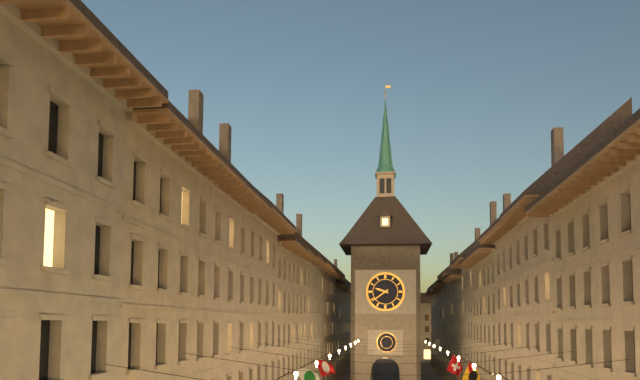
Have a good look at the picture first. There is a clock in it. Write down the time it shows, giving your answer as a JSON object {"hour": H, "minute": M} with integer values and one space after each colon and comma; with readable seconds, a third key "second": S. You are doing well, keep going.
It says {"hour": 9, "minute": 39}
